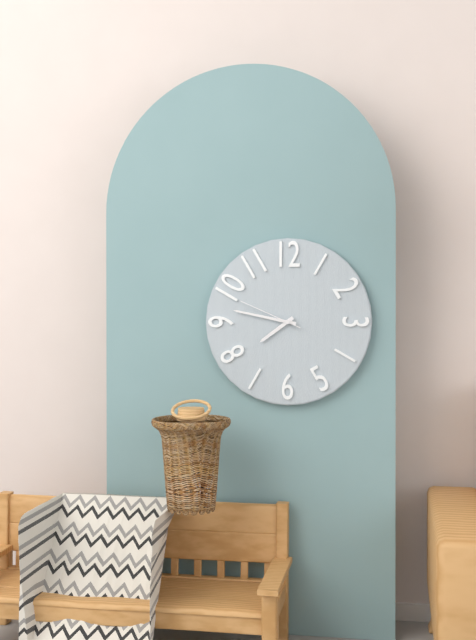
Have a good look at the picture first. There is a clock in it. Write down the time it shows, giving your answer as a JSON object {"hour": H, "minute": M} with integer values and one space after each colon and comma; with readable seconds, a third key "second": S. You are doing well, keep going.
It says {"hour": 7, "minute": 47, "second": 49}
